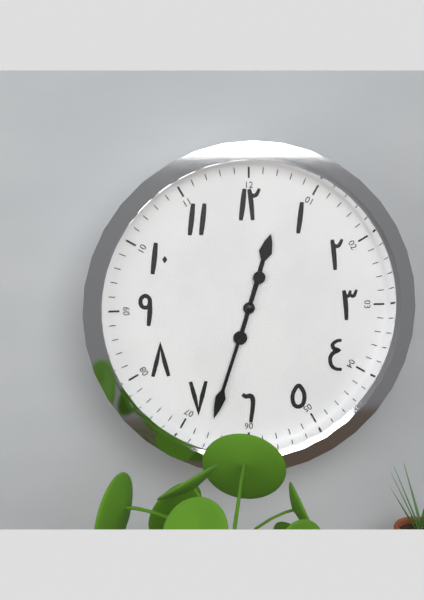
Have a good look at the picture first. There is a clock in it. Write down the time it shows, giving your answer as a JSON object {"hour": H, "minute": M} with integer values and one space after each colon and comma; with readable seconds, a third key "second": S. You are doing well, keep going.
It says {"hour": 12, "minute": 33}
